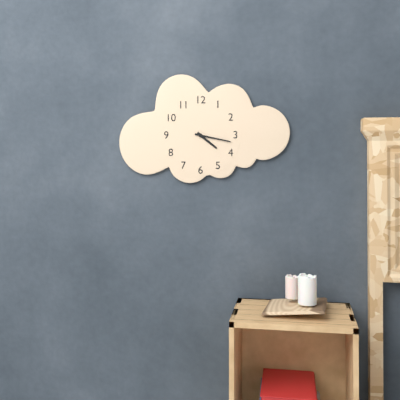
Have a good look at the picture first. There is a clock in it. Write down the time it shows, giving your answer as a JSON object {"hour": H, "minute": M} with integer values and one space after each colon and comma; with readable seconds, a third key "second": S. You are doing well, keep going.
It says {"hour": 4, "minute": 17}
